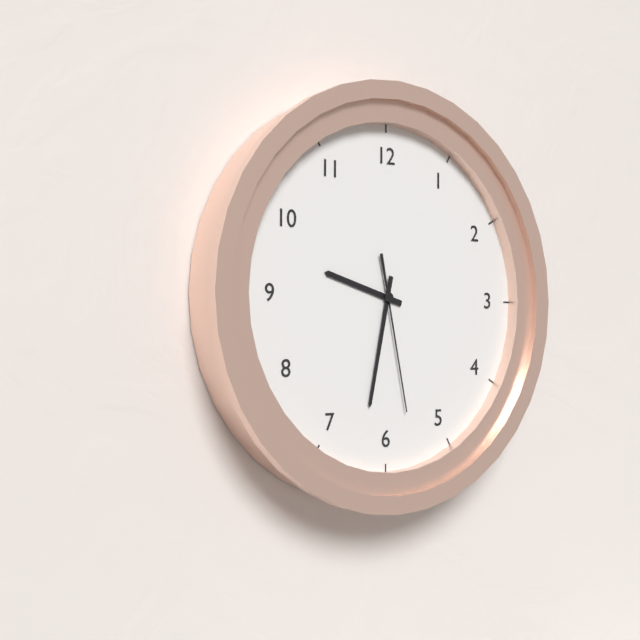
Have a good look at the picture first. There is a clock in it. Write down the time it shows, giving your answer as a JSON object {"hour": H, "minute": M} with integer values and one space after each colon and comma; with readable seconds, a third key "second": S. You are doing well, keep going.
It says {"hour": 9, "minute": 32, "second": 28}
